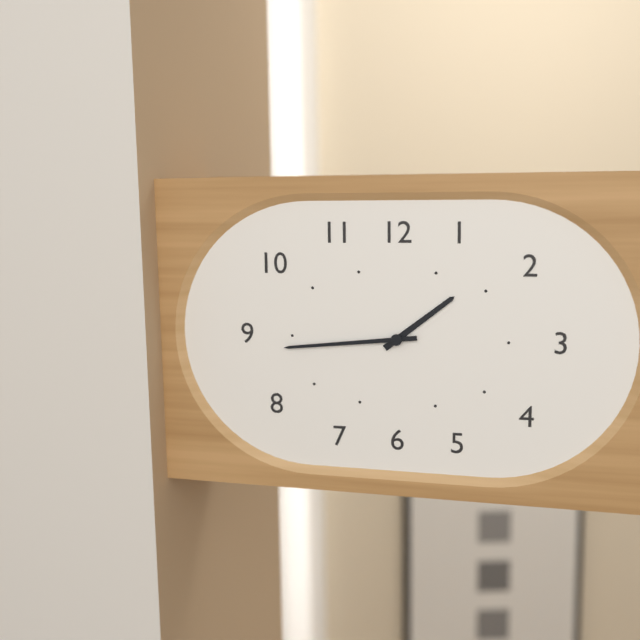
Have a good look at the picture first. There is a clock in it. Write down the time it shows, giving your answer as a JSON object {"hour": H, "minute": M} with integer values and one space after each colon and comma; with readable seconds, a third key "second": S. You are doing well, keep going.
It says {"hour": 1, "minute": 44}
